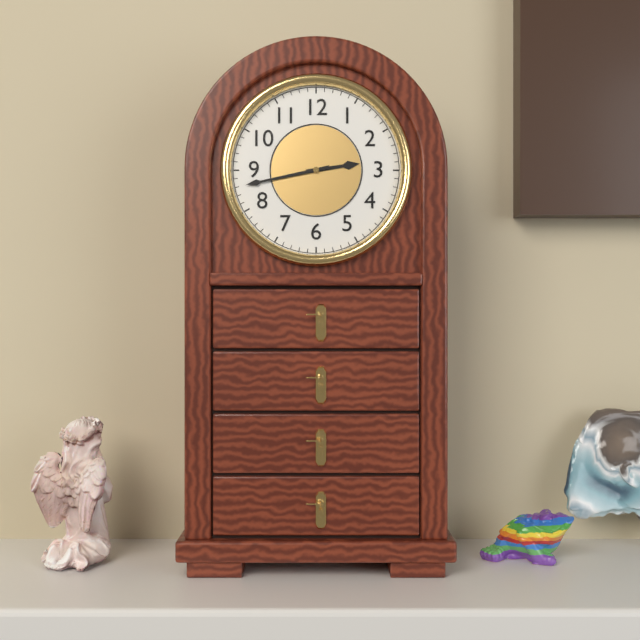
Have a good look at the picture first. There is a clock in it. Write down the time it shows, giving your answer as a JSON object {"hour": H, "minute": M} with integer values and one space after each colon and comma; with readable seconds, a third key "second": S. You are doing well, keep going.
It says {"hour": 2, "minute": 43}
